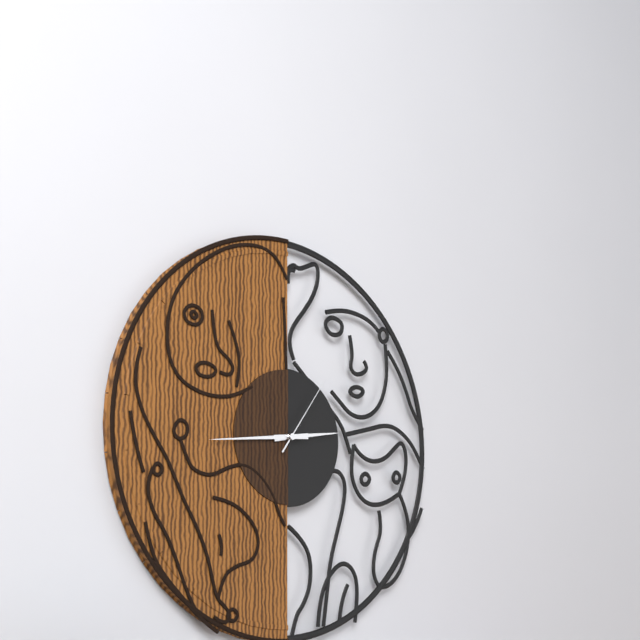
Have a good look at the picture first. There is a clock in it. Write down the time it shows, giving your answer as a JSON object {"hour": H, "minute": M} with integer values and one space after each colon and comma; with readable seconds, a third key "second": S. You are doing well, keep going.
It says {"hour": 2, "minute": 44, "second": 6}
